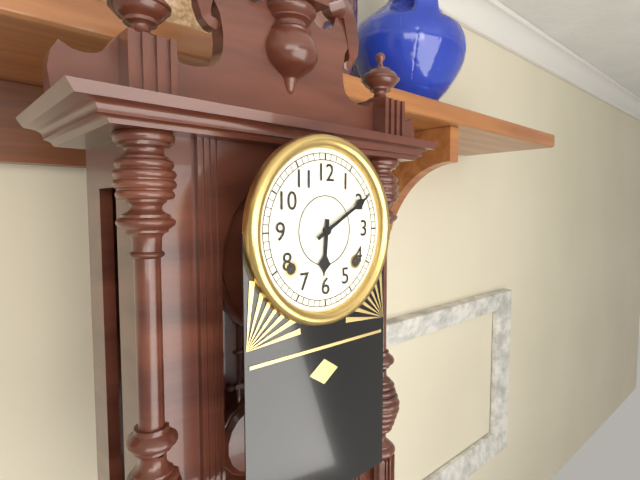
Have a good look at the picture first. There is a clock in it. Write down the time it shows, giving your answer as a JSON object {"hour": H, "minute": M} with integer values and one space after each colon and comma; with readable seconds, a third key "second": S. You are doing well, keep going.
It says {"hour": 6, "minute": 10}
